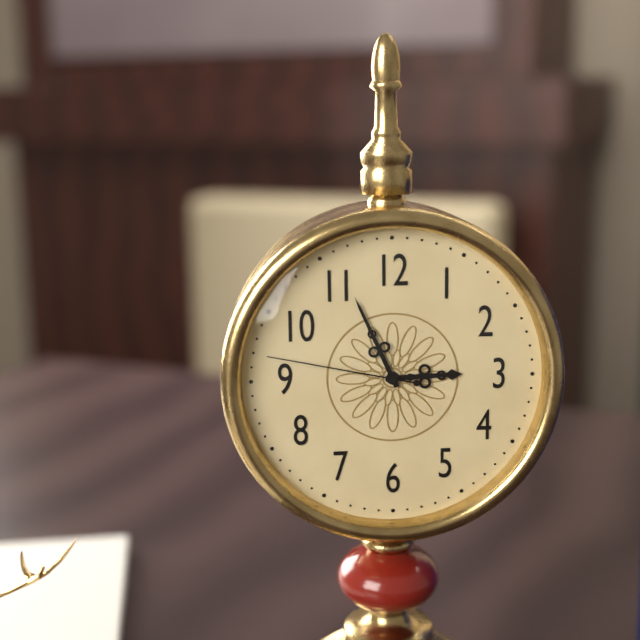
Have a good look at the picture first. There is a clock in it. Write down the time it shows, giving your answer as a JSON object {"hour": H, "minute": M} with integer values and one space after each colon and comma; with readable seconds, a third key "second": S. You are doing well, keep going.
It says {"hour": 2, "minute": 56, "second": 47}
